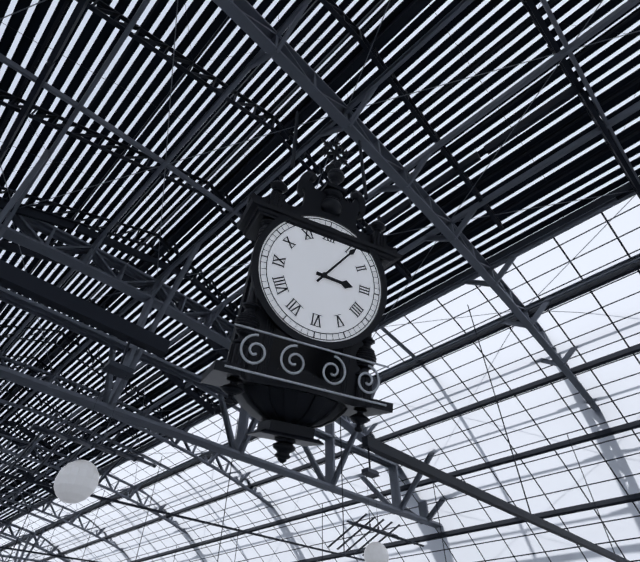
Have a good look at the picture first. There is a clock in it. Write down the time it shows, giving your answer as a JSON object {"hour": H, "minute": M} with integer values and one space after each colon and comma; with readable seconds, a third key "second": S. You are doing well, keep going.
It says {"hour": 3, "minute": 6}
